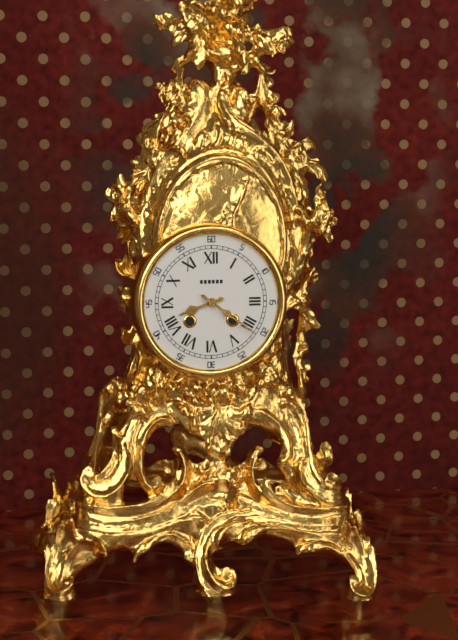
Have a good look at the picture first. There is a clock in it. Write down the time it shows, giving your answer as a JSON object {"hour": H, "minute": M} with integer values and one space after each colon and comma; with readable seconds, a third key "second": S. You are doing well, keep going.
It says {"hour": 8, "minute": 21}
